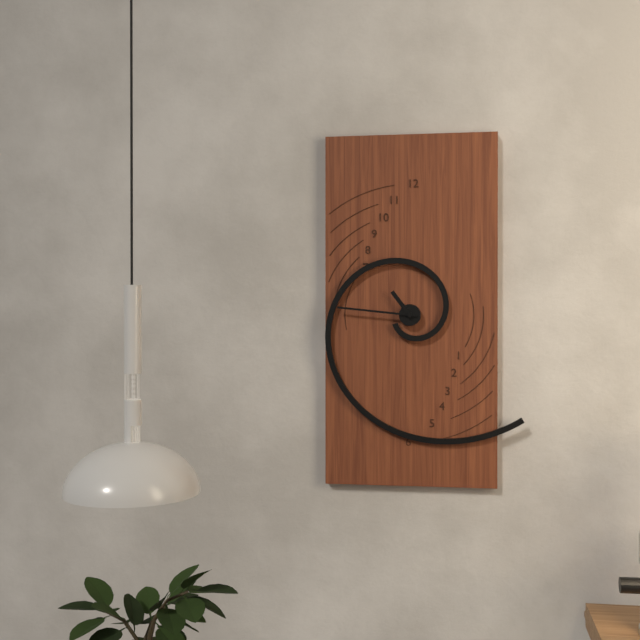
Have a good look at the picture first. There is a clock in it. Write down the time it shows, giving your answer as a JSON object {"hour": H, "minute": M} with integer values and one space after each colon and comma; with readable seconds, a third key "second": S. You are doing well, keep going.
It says {"hour": 10, "minute": 46}
